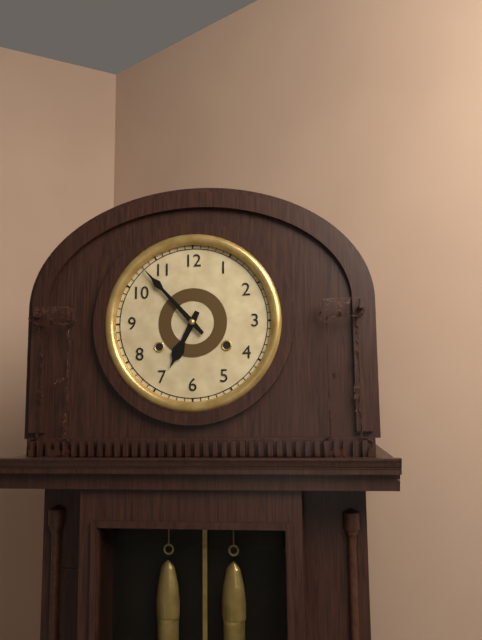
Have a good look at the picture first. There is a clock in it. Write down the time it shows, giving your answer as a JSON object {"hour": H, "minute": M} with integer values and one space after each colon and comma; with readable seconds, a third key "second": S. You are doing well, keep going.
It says {"hour": 6, "minute": 53}
